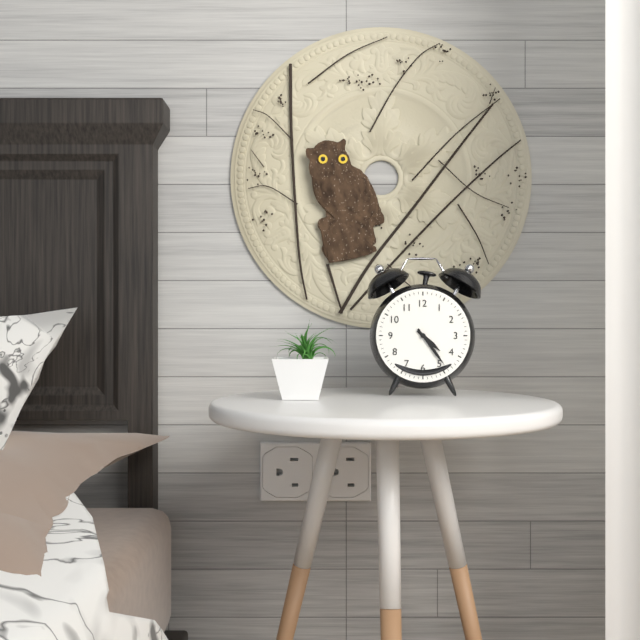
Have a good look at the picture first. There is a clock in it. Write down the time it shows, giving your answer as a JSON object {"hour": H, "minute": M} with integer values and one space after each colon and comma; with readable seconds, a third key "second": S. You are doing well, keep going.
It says {"hour": 4, "minute": 24}
